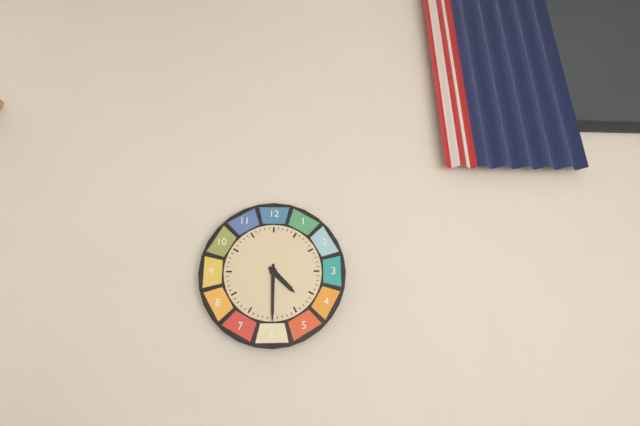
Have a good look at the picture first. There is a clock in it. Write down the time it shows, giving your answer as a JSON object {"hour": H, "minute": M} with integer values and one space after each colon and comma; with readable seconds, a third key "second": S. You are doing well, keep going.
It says {"hour": 4, "minute": 30}
